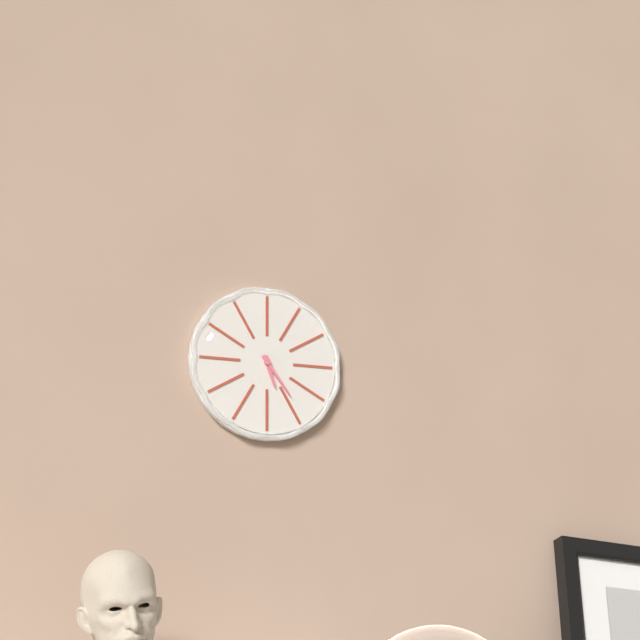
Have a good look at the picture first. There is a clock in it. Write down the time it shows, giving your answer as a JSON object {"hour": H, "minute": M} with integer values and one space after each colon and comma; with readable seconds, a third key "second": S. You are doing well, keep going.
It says {"hour": 5, "minute": 24}
